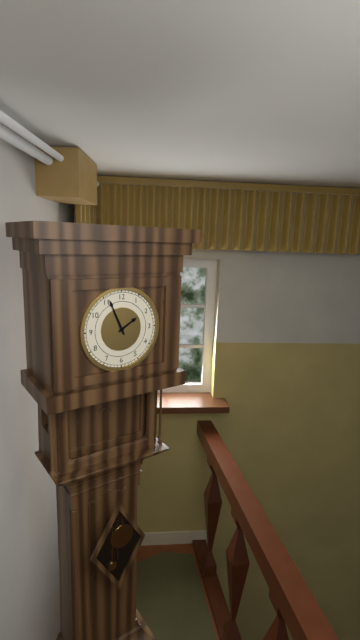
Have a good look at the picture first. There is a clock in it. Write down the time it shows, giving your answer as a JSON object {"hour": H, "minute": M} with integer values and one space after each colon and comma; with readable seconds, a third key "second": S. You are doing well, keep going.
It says {"hour": 1, "minute": 56}
